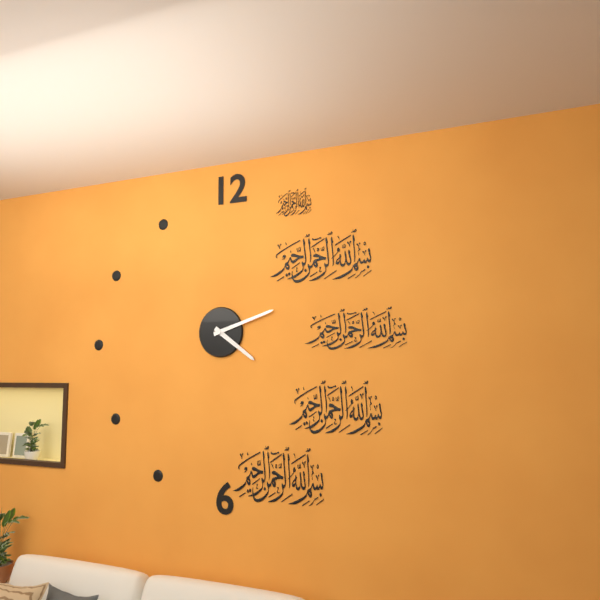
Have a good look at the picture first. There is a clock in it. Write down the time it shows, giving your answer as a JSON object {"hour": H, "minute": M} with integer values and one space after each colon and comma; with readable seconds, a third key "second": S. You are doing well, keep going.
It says {"hour": 4, "minute": 12}
